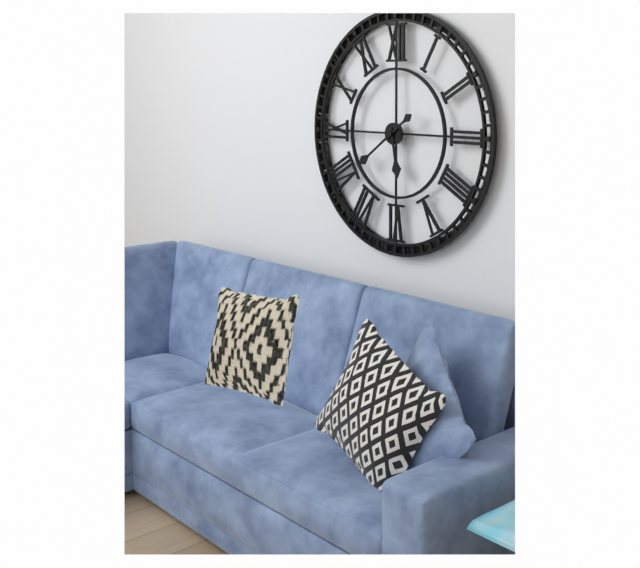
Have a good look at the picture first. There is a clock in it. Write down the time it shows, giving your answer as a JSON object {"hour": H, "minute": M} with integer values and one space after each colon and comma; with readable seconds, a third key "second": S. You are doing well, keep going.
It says {"hour": 5, "minute": 39}
